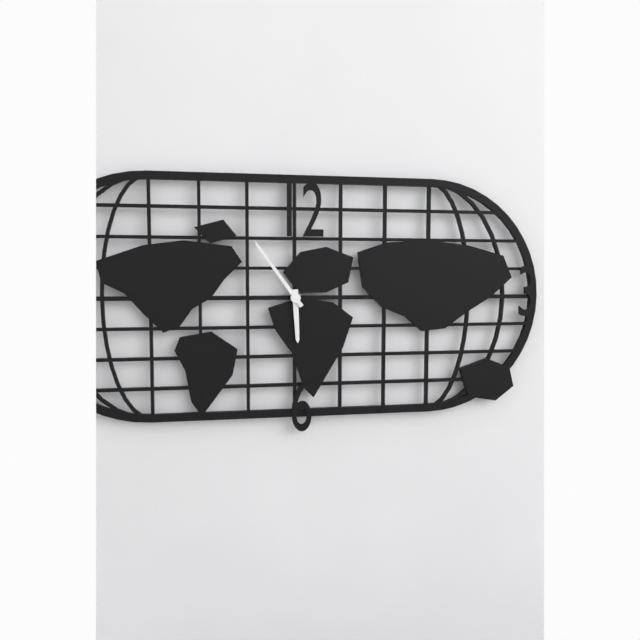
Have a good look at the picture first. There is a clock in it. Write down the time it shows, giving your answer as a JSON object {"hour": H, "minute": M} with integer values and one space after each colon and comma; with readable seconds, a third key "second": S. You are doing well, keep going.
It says {"hour": 5, "minute": 54}
